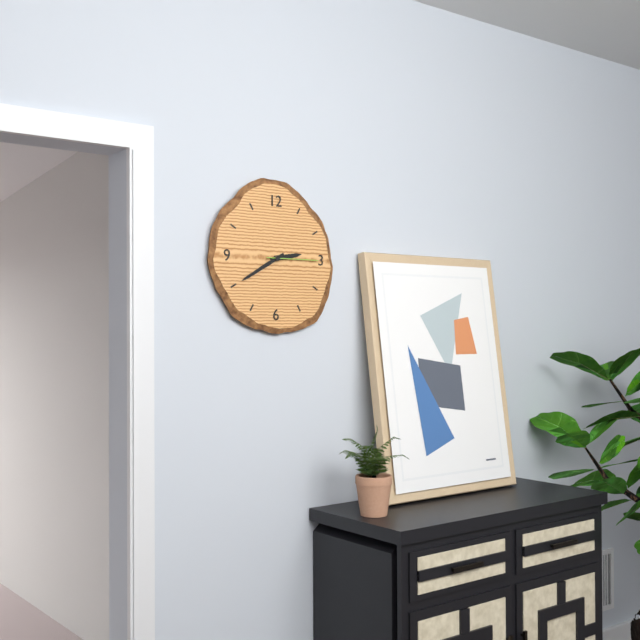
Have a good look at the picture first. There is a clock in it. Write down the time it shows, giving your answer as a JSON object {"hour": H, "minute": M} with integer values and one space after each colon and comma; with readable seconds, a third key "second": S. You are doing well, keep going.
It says {"hour": 2, "minute": 40, "second": 15}
